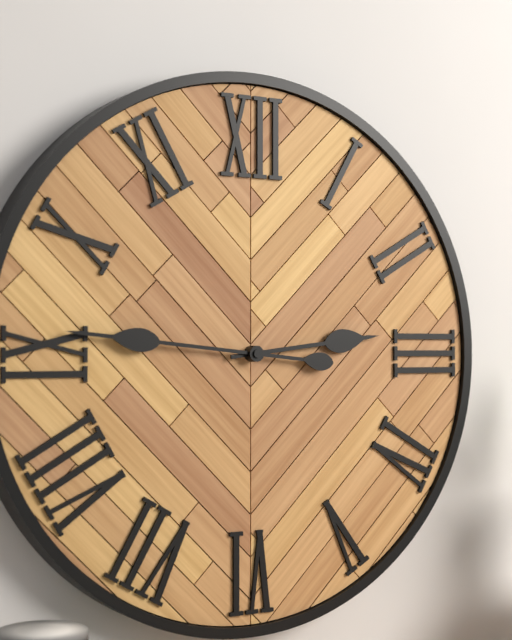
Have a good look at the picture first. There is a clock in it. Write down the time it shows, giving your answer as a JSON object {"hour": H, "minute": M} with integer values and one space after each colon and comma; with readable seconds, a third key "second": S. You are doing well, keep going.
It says {"hour": 2, "minute": 46}
